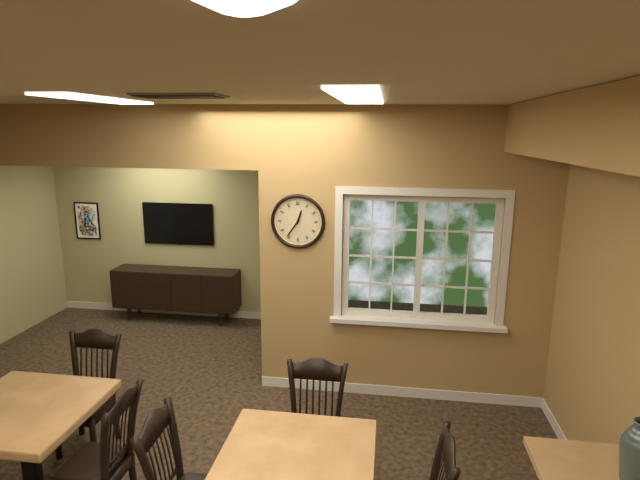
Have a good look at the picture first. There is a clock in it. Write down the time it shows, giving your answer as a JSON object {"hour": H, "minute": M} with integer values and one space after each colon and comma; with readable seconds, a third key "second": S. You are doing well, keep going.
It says {"hour": 12, "minute": 36}
